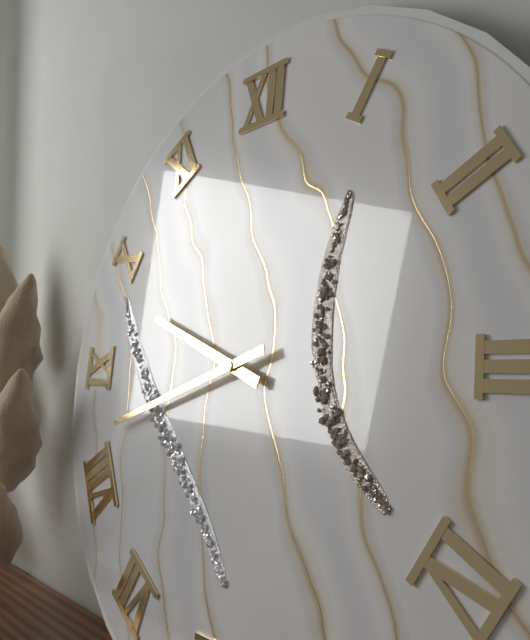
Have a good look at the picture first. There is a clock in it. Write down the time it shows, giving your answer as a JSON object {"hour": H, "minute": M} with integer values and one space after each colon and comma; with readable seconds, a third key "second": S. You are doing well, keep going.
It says {"hour": 9, "minute": 42}
